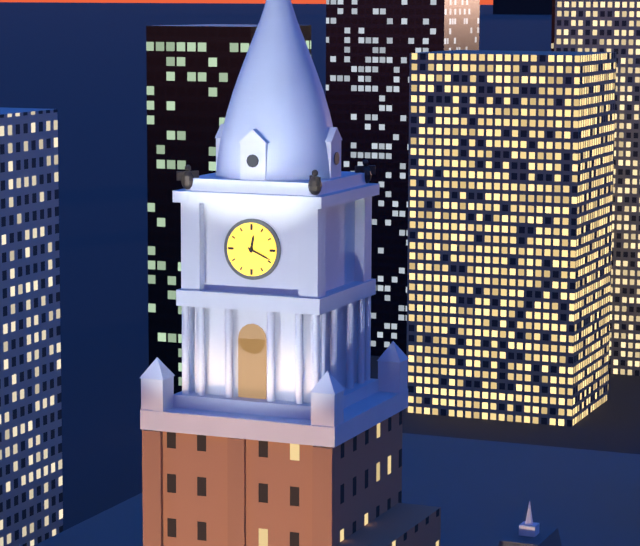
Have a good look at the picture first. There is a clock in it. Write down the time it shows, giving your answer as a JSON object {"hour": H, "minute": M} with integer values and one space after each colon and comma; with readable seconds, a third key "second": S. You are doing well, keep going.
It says {"hour": 12, "minute": 19}
